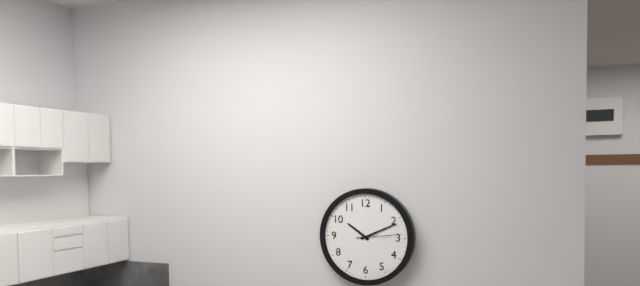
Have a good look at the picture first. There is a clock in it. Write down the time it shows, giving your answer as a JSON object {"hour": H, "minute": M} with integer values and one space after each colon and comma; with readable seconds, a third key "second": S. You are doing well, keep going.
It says {"hour": 10, "minute": 11}
